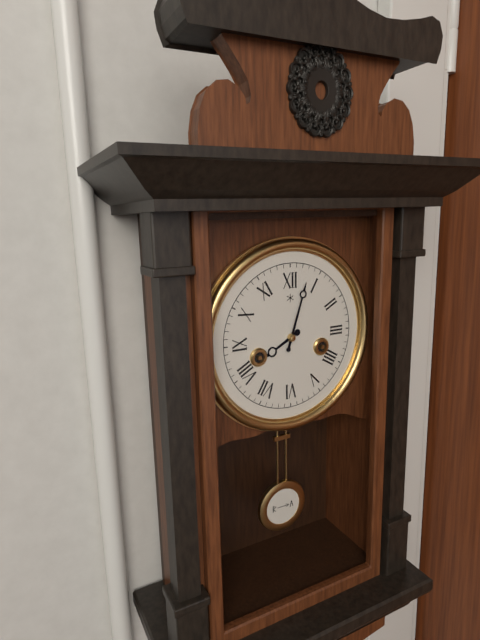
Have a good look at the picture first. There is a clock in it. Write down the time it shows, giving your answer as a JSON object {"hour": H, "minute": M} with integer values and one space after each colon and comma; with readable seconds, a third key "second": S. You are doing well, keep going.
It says {"hour": 8, "minute": 3}
